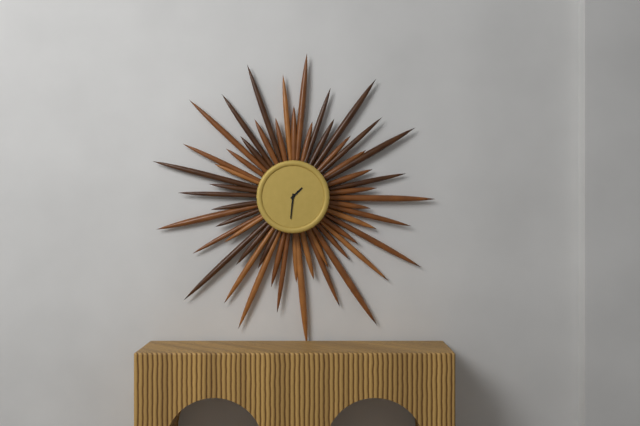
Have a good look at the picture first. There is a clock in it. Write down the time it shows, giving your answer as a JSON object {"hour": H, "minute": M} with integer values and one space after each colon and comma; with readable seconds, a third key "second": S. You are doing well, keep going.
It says {"hour": 1, "minute": 31}
